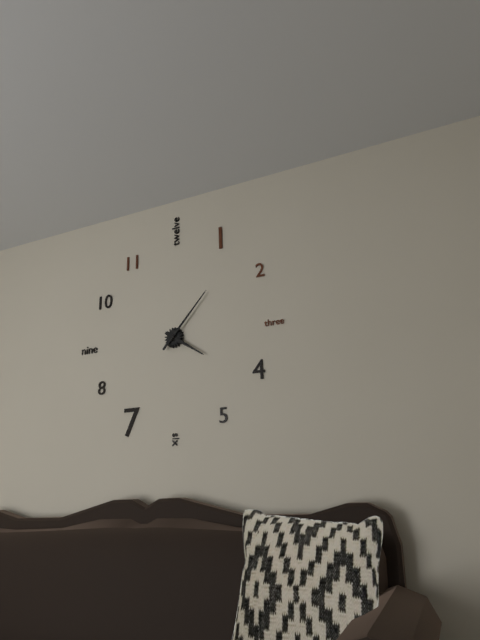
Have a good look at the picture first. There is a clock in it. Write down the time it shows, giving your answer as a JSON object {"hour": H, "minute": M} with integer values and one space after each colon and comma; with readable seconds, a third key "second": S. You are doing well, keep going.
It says {"hour": 4, "minute": 7}
